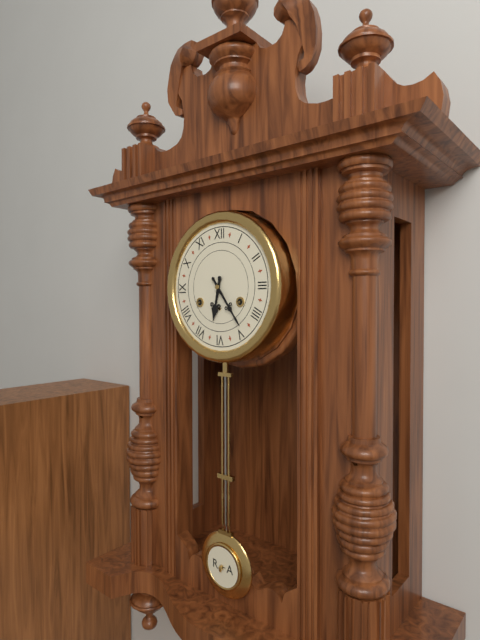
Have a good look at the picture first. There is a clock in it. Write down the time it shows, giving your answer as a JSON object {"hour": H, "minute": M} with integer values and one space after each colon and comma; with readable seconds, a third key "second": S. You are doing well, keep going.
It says {"hour": 6, "minute": 24}
